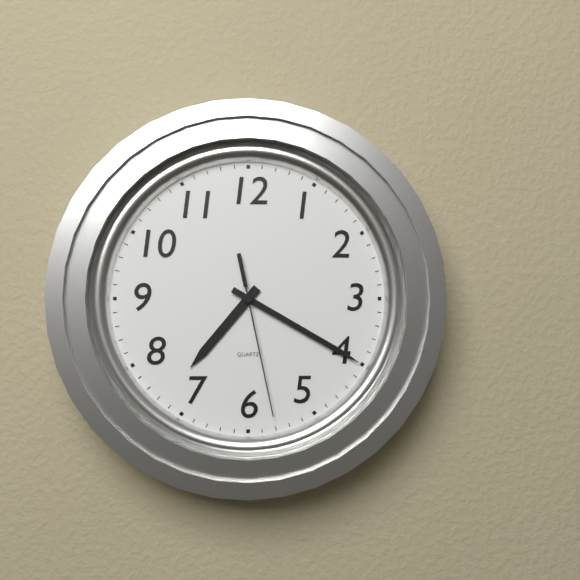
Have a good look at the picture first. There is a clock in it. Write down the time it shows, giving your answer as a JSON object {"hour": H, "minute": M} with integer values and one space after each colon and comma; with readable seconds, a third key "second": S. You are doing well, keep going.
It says {"hour": 7, "minute": 20, "second": 28}
